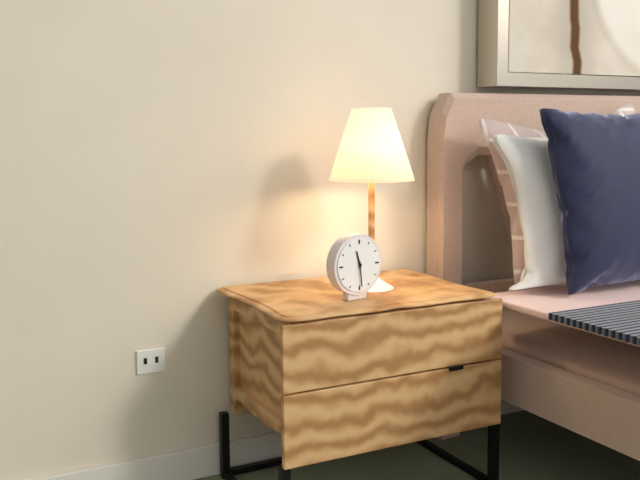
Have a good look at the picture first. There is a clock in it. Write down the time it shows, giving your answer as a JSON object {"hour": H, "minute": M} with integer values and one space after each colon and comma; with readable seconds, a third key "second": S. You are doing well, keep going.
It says {"hour": 11, "minute": 29}
